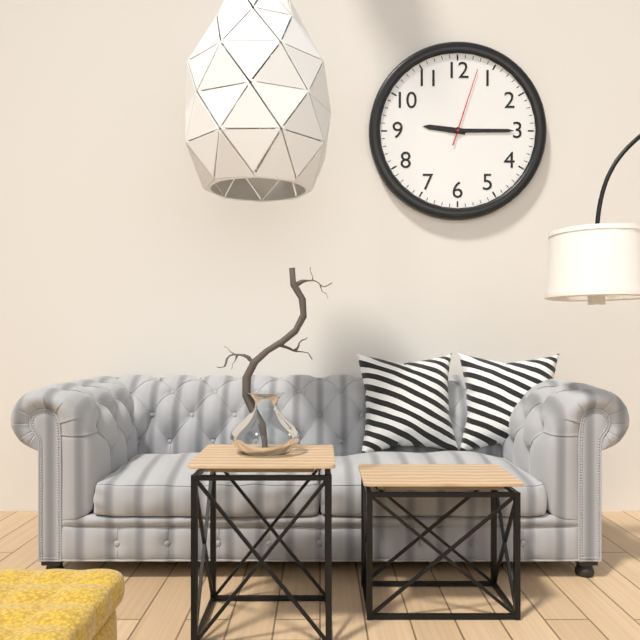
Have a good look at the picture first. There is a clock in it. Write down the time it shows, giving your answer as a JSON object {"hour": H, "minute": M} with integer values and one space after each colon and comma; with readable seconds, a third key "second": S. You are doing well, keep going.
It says {"hour": 9, "minute": 15, "second": 3}
